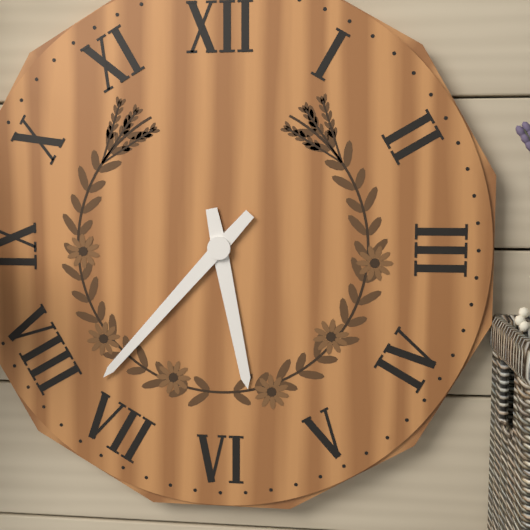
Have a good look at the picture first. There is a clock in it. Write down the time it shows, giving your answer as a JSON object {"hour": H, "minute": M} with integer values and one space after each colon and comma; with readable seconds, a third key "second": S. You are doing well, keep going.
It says {"hour": 5, "minute": 37}
